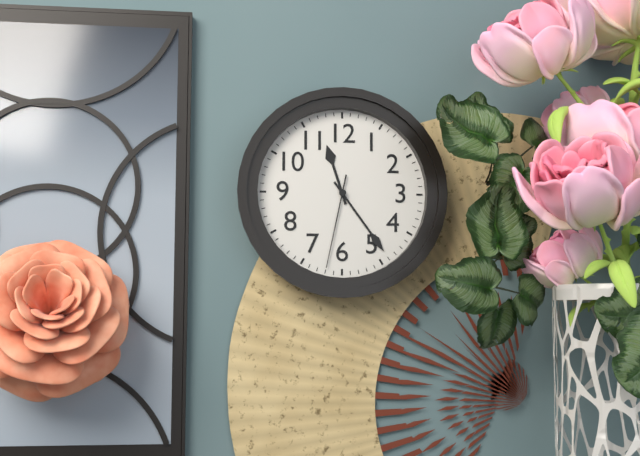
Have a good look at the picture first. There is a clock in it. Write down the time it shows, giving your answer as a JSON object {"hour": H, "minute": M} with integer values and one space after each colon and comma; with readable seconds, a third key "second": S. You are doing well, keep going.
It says {"hour": 11, "minute": 24, "second": 32}
